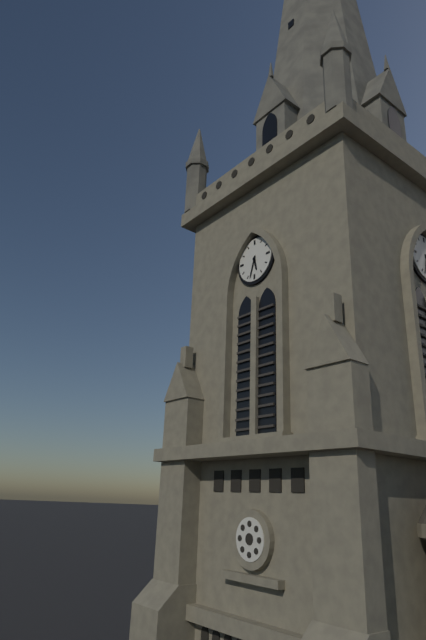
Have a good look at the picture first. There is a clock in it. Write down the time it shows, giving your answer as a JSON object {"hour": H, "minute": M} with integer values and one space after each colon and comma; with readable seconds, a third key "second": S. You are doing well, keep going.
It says {"hour": 5, "minute": 33}
